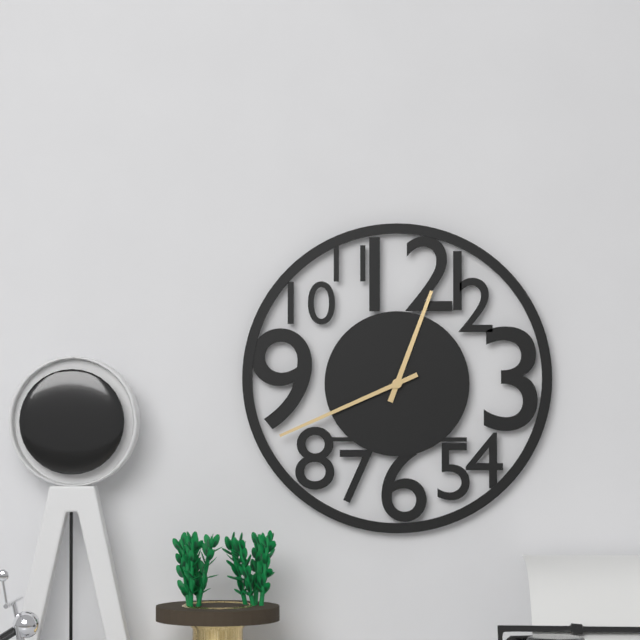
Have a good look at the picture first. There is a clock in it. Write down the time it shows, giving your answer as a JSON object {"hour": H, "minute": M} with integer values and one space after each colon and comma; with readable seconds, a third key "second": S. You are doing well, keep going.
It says {"hour": 12, "minute": 41}
